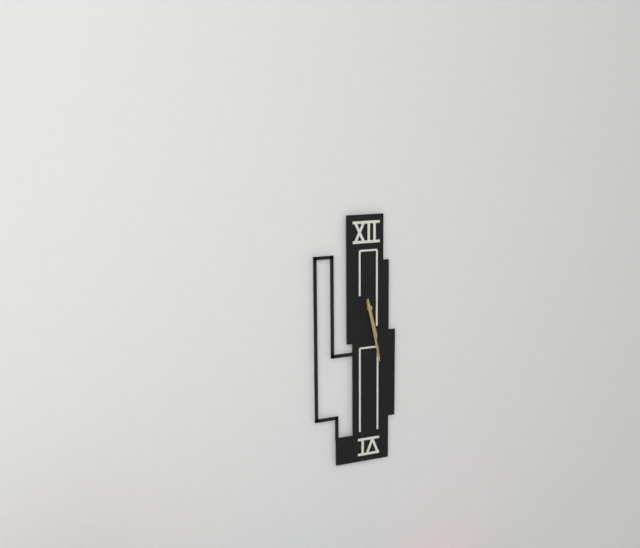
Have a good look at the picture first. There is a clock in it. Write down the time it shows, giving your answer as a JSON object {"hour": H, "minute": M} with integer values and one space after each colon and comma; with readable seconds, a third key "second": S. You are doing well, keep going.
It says {"hour": 5, "minute": 28}
